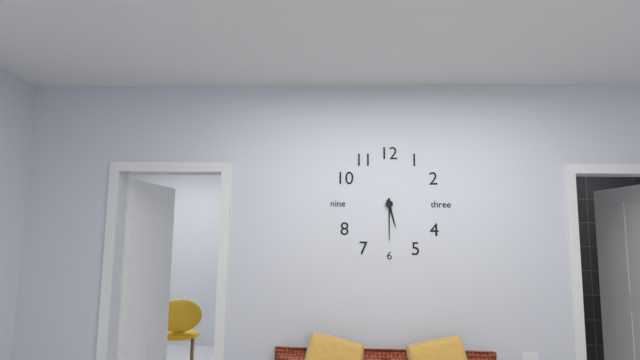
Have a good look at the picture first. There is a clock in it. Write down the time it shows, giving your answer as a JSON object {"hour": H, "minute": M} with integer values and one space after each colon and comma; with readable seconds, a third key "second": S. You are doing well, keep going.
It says {"hour": 5, "minute": 30}
